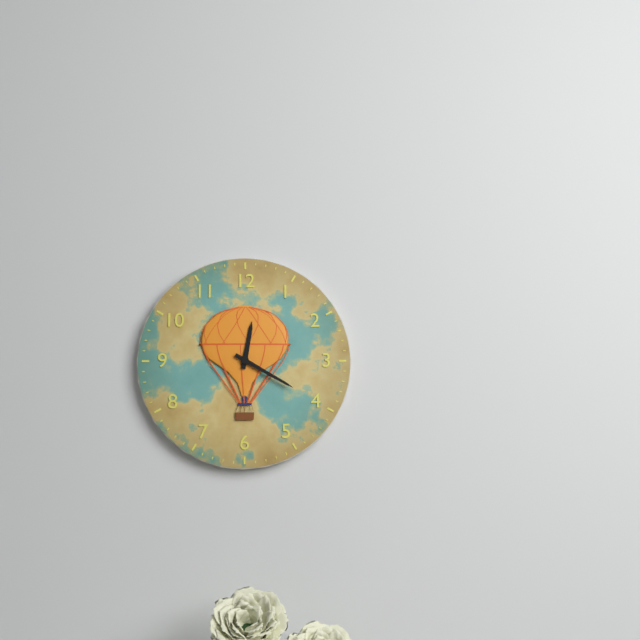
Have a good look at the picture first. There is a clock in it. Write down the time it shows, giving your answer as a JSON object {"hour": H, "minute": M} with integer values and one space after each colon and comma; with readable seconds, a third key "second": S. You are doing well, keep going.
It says {"hour": 12, "minute": 20}
